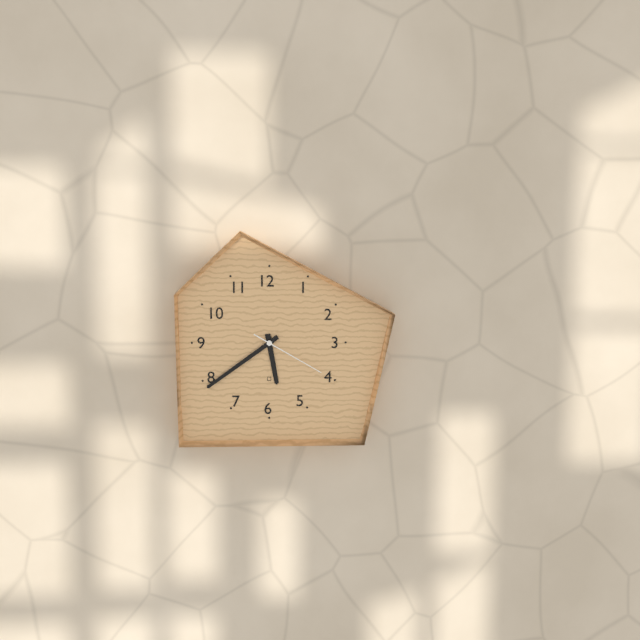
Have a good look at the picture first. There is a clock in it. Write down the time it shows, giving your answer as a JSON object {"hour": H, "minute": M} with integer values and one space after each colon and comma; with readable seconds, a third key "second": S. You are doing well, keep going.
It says {"hour": 5, "minute": 39, "second": 20}
